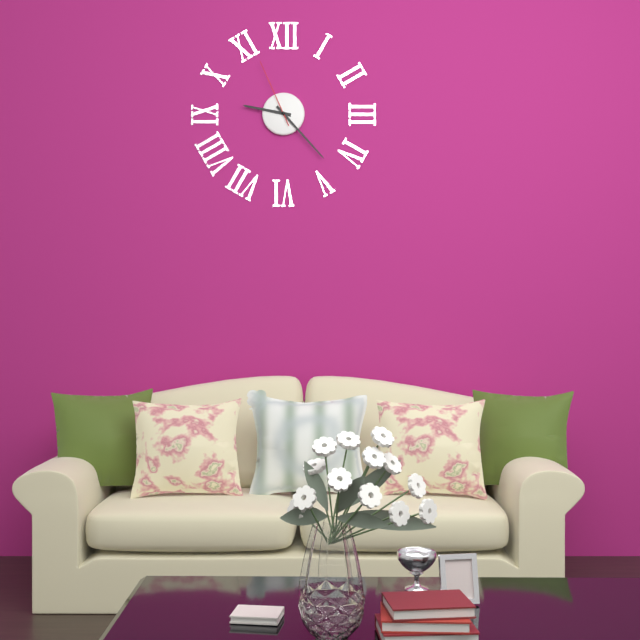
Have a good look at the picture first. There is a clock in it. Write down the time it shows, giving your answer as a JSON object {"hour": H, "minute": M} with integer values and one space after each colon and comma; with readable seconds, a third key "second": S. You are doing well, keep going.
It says {"hour": 9, "minute": 23, "second": 56}
